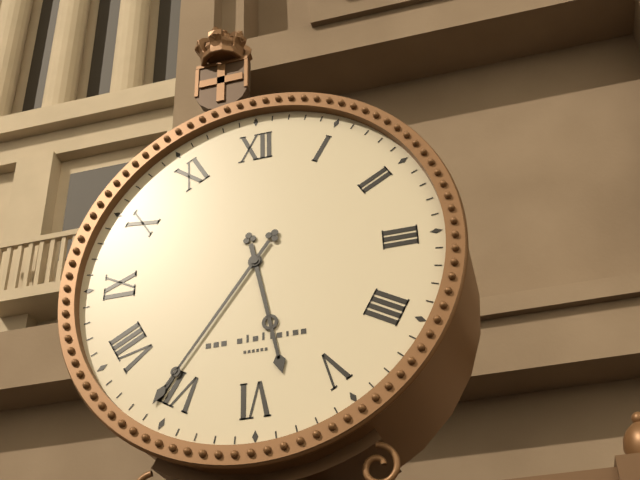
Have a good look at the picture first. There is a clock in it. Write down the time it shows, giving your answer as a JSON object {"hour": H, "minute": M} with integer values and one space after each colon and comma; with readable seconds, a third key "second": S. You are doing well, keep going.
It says {"hour": 5, "minute": 36}
